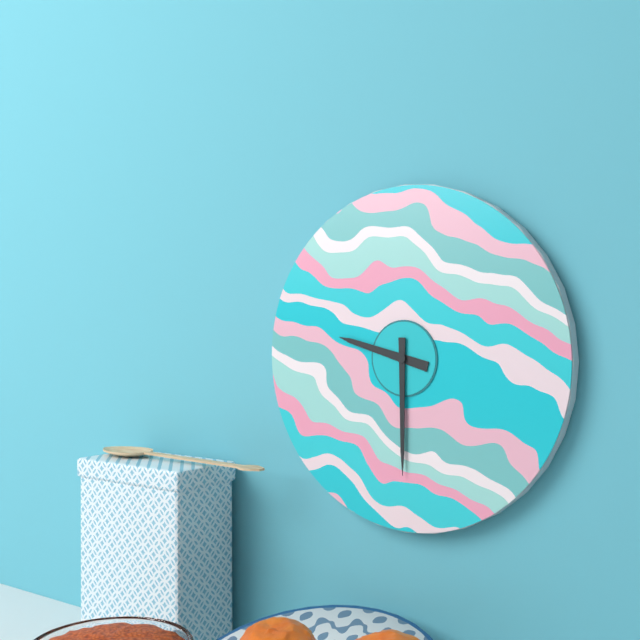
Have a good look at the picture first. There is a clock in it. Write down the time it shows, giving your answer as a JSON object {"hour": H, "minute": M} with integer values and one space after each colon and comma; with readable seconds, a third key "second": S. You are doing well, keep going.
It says {"hour": 9, "minute": 30}
